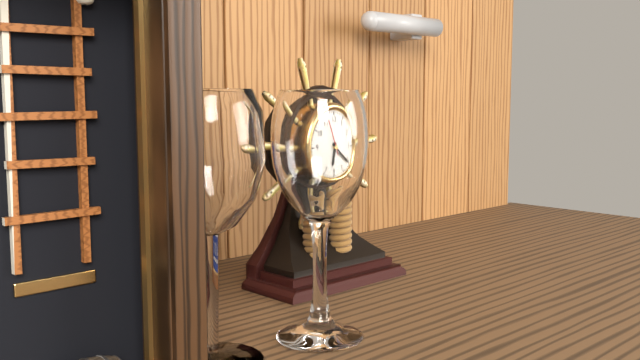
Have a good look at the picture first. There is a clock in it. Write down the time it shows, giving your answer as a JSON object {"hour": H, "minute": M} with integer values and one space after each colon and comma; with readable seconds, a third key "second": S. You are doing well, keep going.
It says {"hour": 6, "minute": 21}
